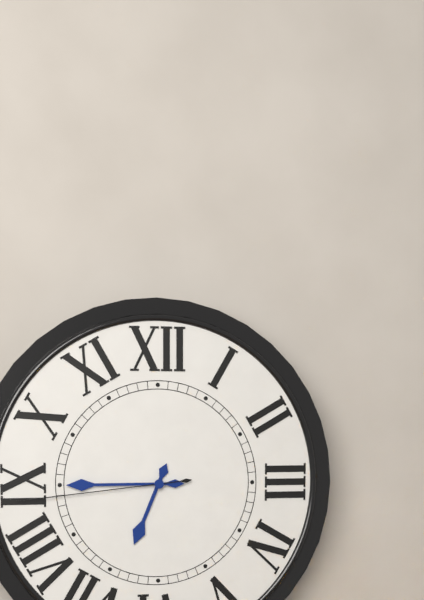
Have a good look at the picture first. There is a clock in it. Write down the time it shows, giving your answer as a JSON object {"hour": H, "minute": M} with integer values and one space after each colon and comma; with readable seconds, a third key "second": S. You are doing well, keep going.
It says {"hour": 6, "minute": 45, "second": 44}
